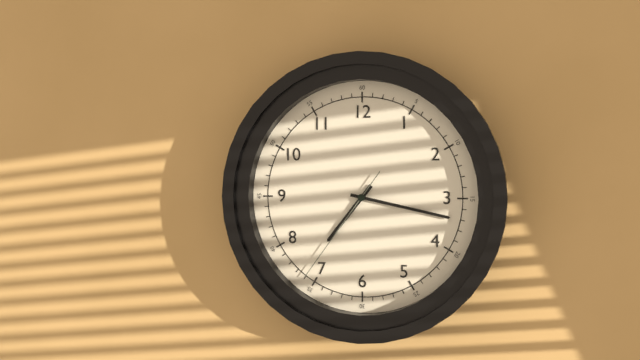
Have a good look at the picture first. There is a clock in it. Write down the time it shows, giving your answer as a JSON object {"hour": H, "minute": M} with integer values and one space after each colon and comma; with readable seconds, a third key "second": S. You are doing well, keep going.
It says {"hour": 7, "minute": 17, "second": 36}
